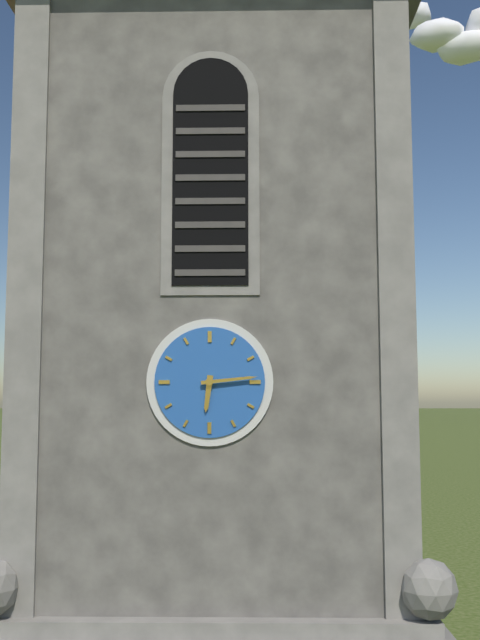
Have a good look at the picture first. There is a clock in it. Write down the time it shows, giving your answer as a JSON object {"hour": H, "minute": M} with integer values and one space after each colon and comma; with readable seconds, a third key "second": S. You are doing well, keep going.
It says {"hour": 6, "minute": 14}
